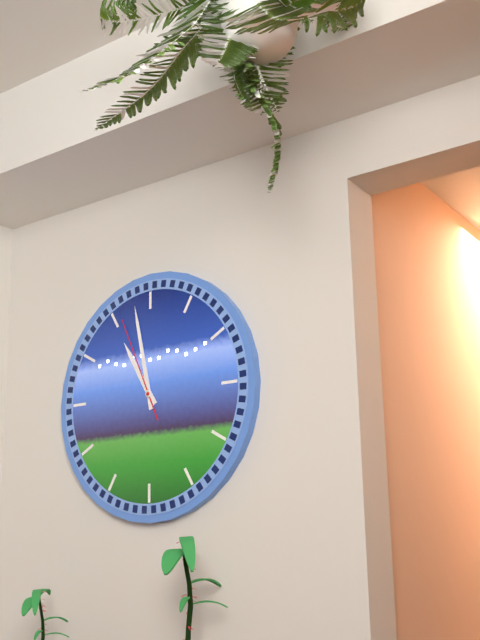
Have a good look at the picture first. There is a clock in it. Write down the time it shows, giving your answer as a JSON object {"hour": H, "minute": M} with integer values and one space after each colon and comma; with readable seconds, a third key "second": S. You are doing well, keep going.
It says {"hour": 10, "minute": 58, "second": 56}
